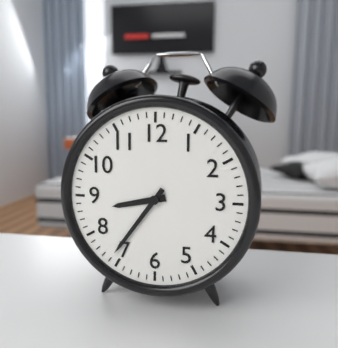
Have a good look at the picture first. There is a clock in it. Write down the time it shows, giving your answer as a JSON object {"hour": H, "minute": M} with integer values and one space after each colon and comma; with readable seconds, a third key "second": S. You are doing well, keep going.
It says {"hour": 8, "minute": 36}
